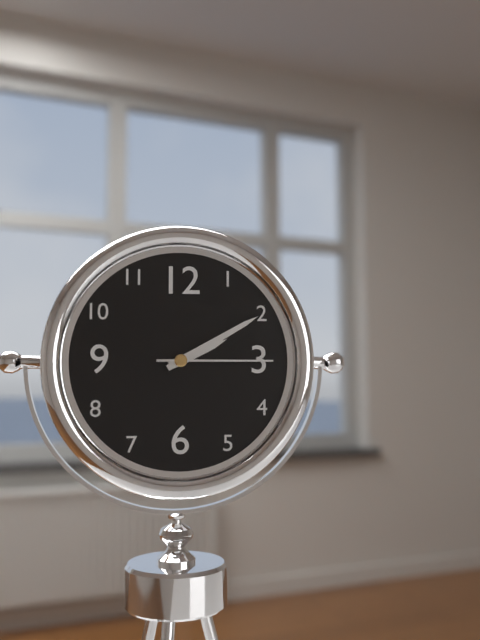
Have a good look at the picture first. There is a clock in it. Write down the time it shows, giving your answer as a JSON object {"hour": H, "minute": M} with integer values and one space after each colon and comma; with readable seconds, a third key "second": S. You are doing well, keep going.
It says {"hour": 2, "minute": 10, "second": 15}
